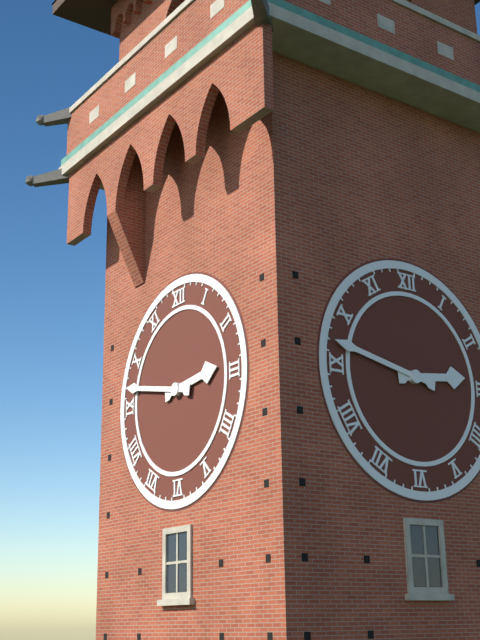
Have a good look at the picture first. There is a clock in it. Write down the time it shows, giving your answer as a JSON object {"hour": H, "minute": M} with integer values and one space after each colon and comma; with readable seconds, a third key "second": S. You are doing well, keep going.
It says {"hour": 2, "minute": 47}
